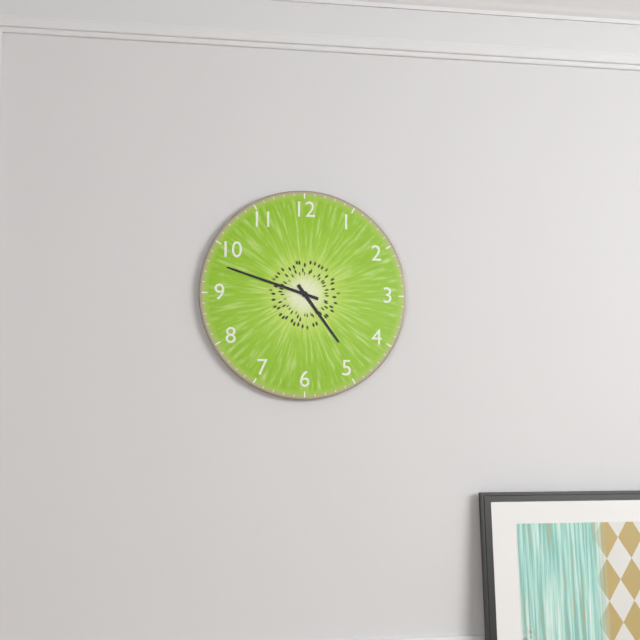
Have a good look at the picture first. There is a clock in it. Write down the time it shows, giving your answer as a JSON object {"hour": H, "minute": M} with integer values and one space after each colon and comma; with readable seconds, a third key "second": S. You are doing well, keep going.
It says {"hour": 4, "minute": 48}
